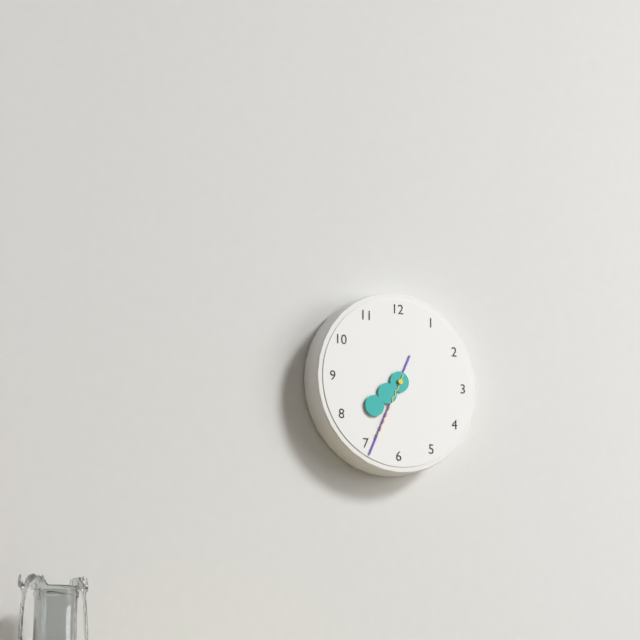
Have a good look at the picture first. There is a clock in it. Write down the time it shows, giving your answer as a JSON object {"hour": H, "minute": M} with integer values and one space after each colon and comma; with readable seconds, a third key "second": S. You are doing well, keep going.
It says {"hour": 7, "minute": 34, "second": 34}
